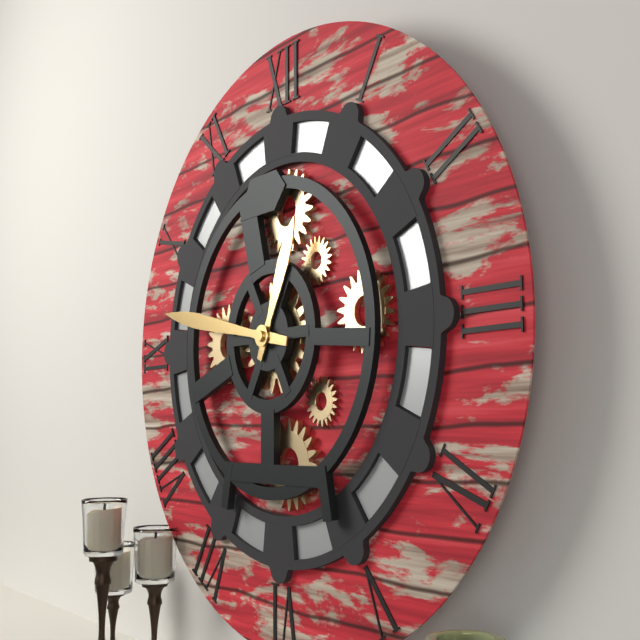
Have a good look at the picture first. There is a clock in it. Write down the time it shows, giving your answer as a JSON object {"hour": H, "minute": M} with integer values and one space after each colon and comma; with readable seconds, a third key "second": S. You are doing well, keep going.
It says {"hour": 12, "minute": 47}
